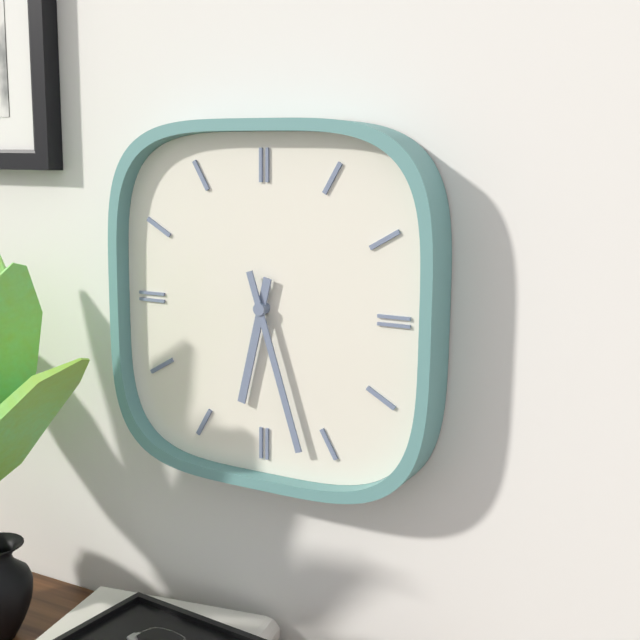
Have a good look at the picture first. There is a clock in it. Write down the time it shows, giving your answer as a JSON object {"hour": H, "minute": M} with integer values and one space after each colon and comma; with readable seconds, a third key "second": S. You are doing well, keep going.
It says {"hour": 6, "minute": 27}
